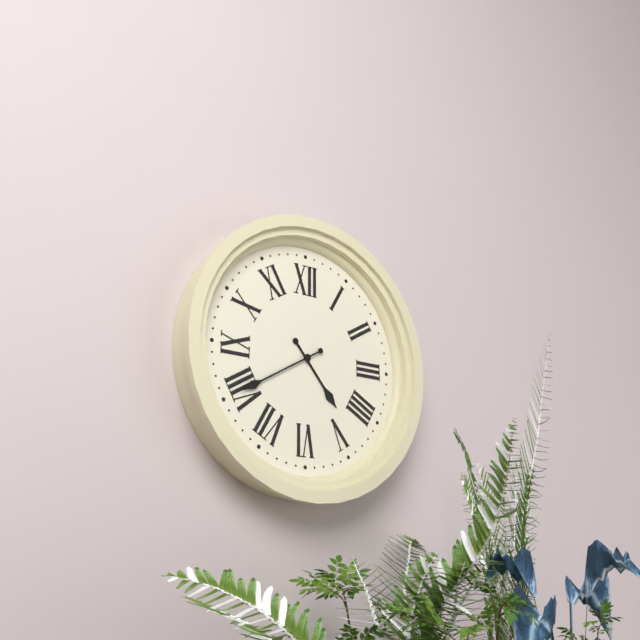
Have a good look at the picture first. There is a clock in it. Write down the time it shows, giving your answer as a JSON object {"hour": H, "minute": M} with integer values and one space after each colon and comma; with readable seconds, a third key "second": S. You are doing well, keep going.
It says {"hour": 4, "minute": 40}
